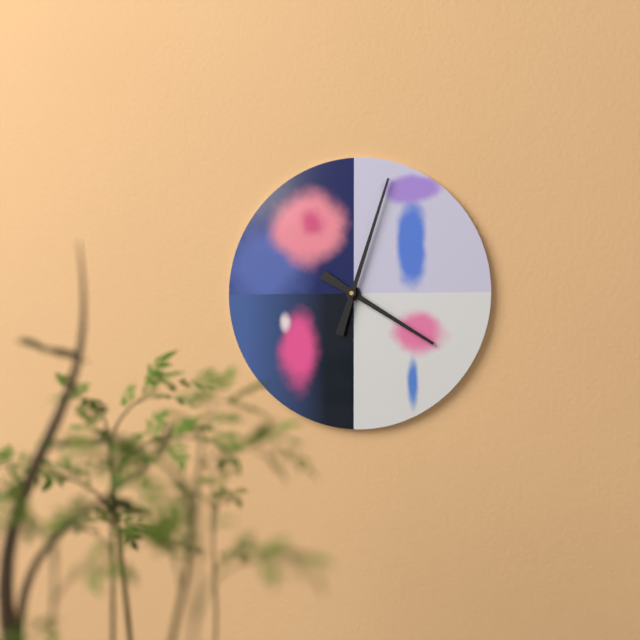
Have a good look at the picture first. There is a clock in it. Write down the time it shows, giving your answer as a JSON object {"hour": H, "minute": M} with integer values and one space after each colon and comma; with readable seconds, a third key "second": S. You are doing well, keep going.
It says {"hour": 4, "minute": 3}
